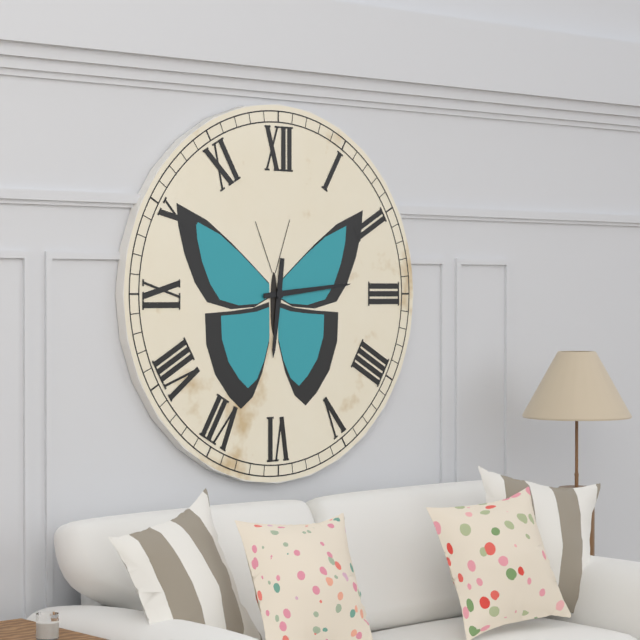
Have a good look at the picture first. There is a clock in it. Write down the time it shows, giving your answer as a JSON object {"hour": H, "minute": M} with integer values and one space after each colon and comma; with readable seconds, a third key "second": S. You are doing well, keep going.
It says {"hour": 6, "minute": 14}
